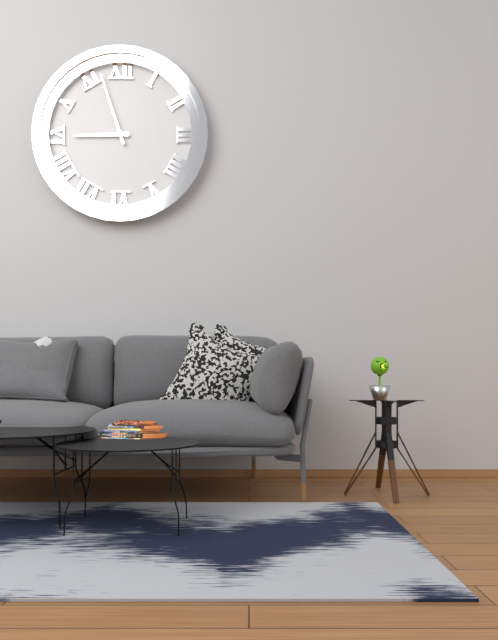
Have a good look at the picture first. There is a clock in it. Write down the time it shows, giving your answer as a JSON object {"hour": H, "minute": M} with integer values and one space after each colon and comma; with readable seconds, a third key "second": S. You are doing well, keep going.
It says {"hour": 8, "minute": 57}
